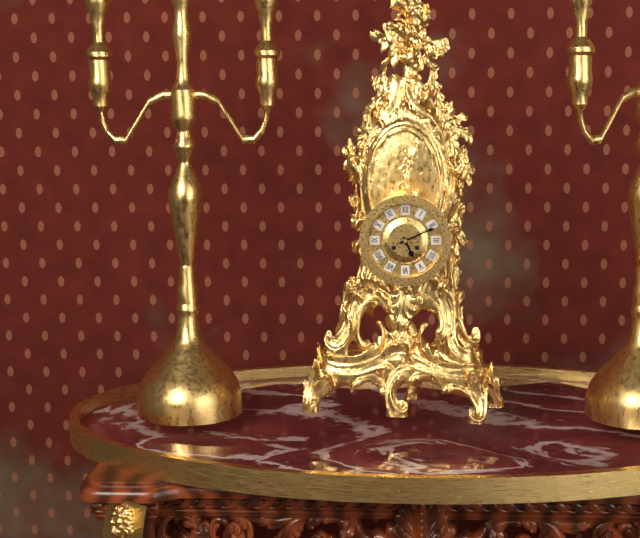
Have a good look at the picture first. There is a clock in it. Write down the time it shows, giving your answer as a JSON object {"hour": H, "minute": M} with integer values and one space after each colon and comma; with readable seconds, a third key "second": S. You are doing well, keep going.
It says {"hour": 5, "minute": 11}
